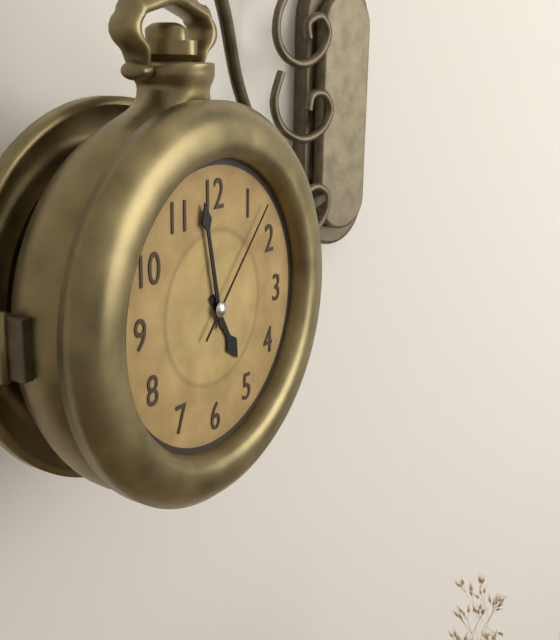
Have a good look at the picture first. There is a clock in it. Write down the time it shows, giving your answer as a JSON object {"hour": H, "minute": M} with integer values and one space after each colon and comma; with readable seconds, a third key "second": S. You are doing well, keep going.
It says {"hour": 4, "minute": 58, "second": 7}
